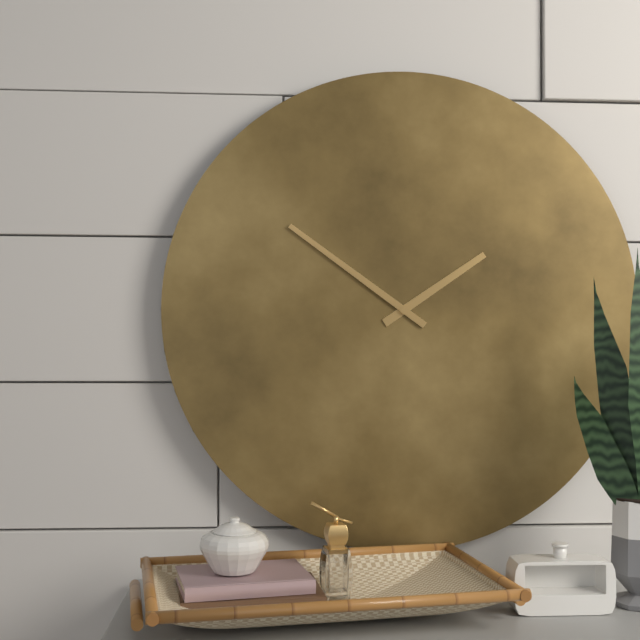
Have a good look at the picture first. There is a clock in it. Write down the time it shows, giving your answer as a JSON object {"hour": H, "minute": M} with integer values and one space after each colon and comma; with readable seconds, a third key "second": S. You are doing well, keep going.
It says {"hour": 1, "minute": 51}
